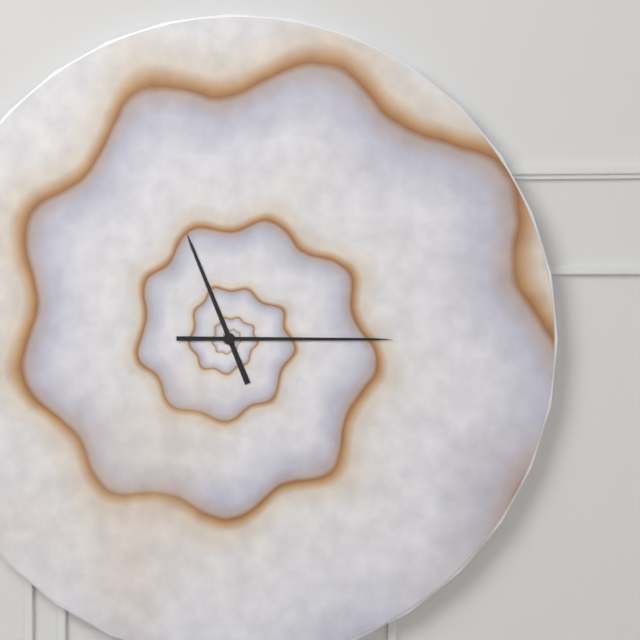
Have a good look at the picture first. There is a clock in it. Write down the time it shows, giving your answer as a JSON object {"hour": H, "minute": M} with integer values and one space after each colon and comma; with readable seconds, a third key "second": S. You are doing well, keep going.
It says {"hour": 11, "minute": 15}
